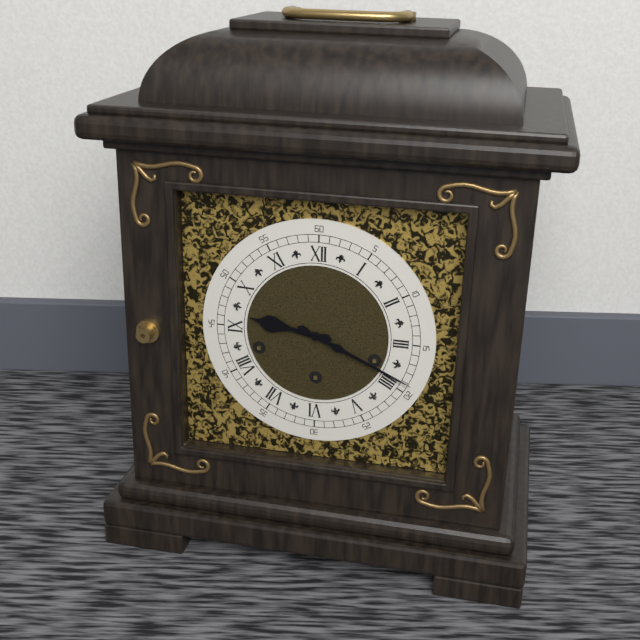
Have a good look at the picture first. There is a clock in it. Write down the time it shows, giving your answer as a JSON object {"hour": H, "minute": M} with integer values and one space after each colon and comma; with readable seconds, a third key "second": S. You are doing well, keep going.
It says {"hour": 9, "minute": 19}
